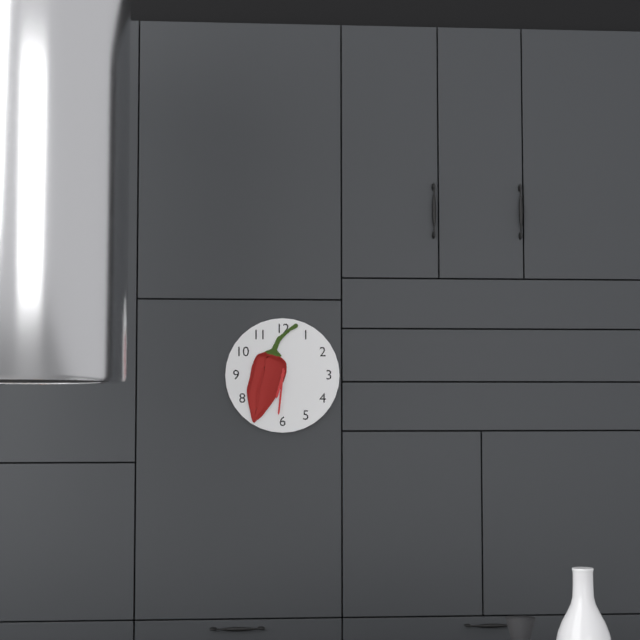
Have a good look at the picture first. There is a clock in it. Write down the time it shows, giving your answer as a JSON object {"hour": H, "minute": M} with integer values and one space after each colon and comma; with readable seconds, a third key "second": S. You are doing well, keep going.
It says {"hour": 6, "minute": 31}
